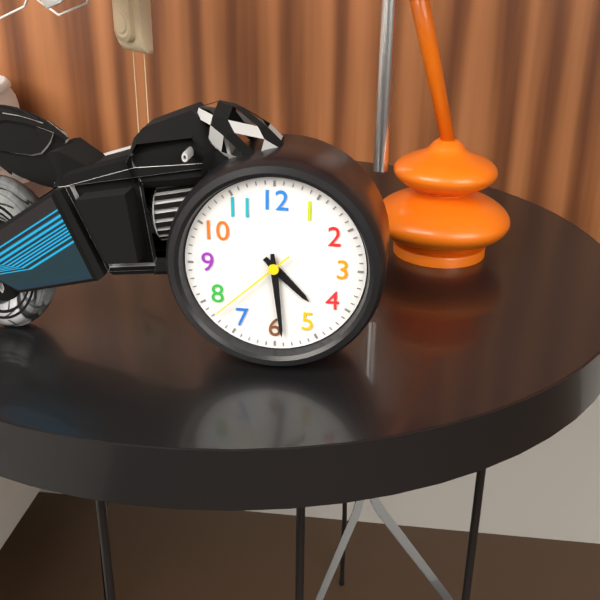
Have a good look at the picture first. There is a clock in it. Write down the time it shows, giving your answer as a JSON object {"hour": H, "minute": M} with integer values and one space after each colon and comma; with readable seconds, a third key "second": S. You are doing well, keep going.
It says {"hour": 4, "minute": 29, "second": 38}
